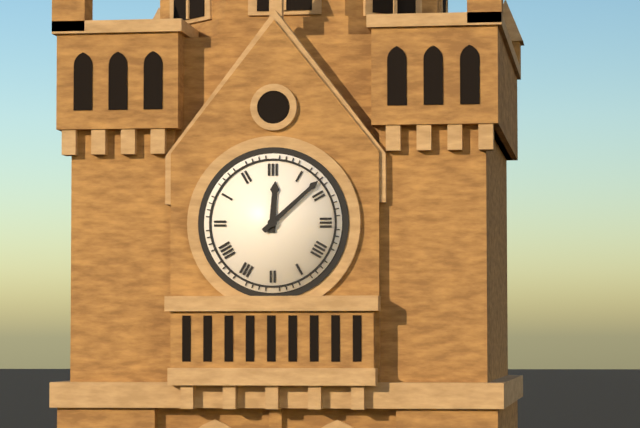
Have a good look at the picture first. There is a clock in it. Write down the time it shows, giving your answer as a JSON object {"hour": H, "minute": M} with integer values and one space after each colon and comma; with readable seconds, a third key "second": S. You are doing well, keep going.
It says {"hour": 12, "minute": 8}
